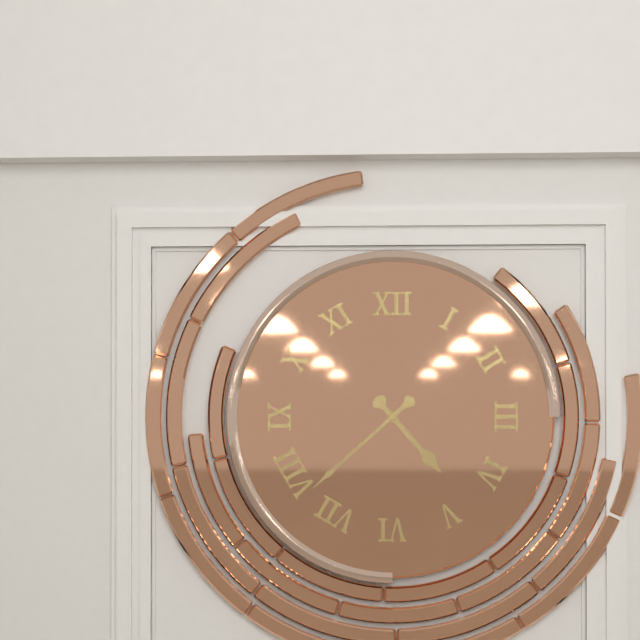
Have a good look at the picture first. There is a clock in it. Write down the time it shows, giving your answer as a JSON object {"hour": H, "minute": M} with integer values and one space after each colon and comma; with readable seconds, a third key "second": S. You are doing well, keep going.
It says {"hour": 4, "minute": 38}
